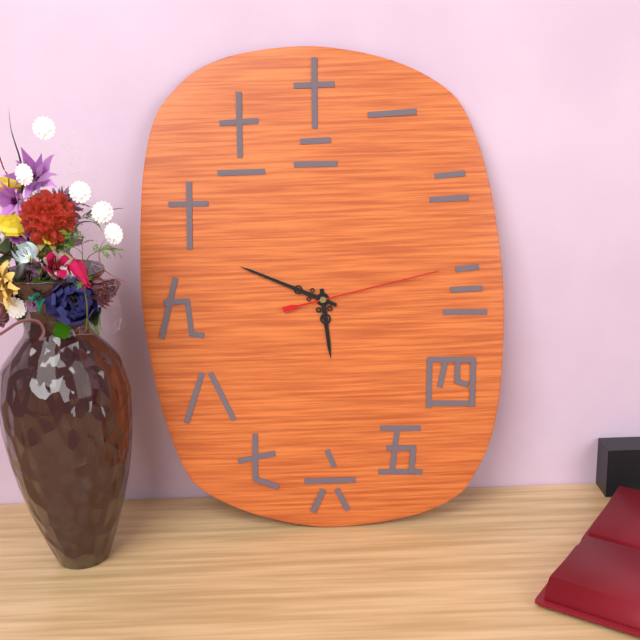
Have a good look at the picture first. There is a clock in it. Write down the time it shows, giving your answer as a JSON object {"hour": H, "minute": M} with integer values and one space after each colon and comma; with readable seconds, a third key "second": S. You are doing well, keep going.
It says {"hour": 5, "minute": 49, "second": 13}
